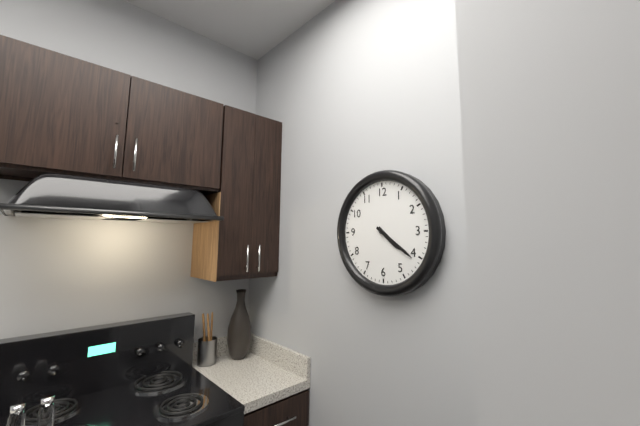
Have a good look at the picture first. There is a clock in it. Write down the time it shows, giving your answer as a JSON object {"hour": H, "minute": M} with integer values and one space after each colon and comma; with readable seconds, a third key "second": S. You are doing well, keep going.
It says {"hour": 4, "minute": 21}
